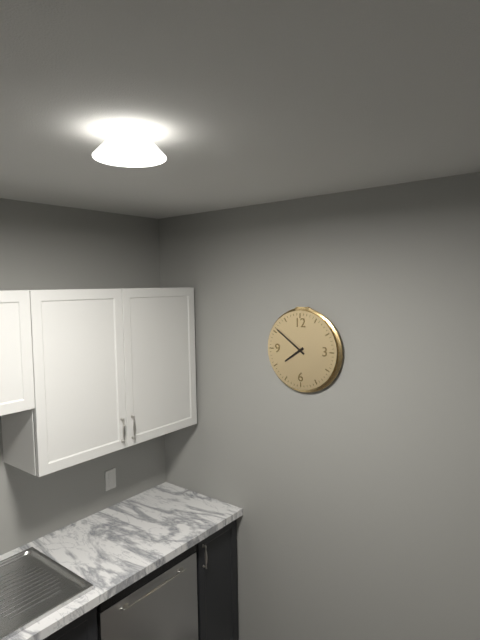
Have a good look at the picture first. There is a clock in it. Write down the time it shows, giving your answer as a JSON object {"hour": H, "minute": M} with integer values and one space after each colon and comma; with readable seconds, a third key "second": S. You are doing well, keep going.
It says {"hour": 7, "minute": 51}
